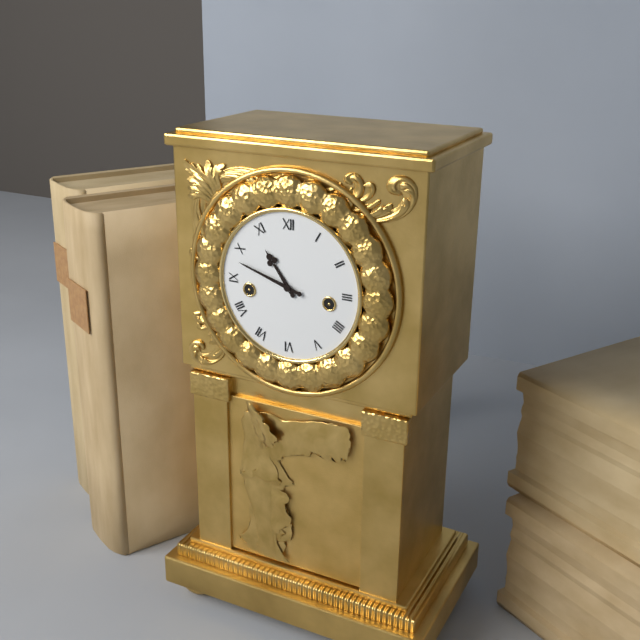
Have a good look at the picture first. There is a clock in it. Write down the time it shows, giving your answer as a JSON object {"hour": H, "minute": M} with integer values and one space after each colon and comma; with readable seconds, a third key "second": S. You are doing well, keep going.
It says {"hour": 10, "minute": 48}
